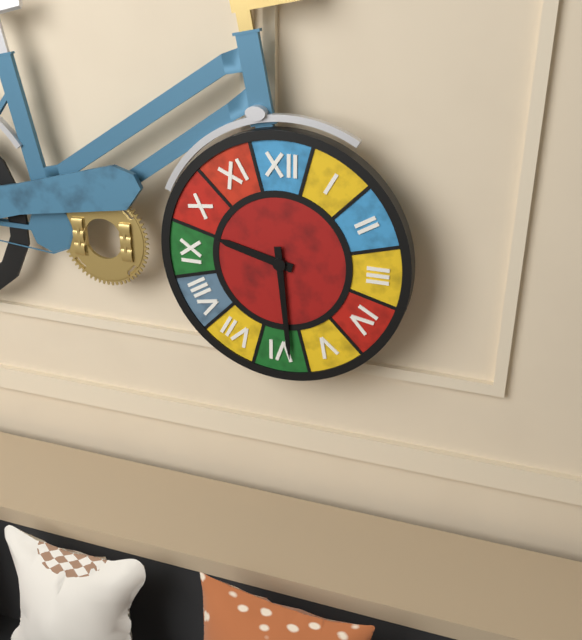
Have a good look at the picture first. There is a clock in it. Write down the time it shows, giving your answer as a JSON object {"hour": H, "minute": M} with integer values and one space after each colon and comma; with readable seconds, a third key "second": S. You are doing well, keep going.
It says {"hour": 9, "minute": 29}
